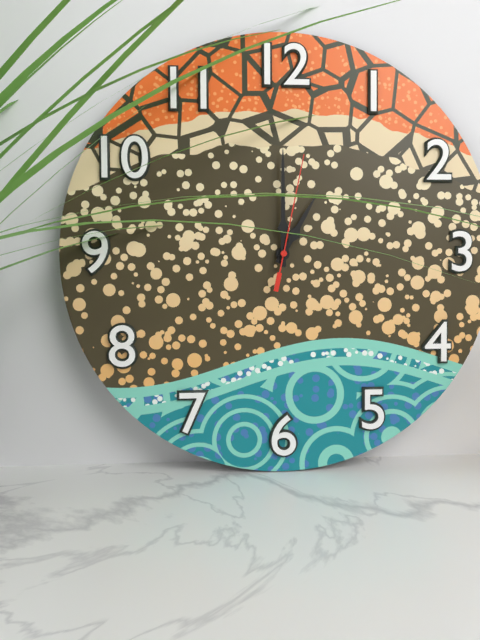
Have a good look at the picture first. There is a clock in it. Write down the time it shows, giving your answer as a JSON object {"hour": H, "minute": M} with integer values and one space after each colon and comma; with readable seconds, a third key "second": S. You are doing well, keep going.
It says {"hour": 1, "minute": 0, "second": 2}
